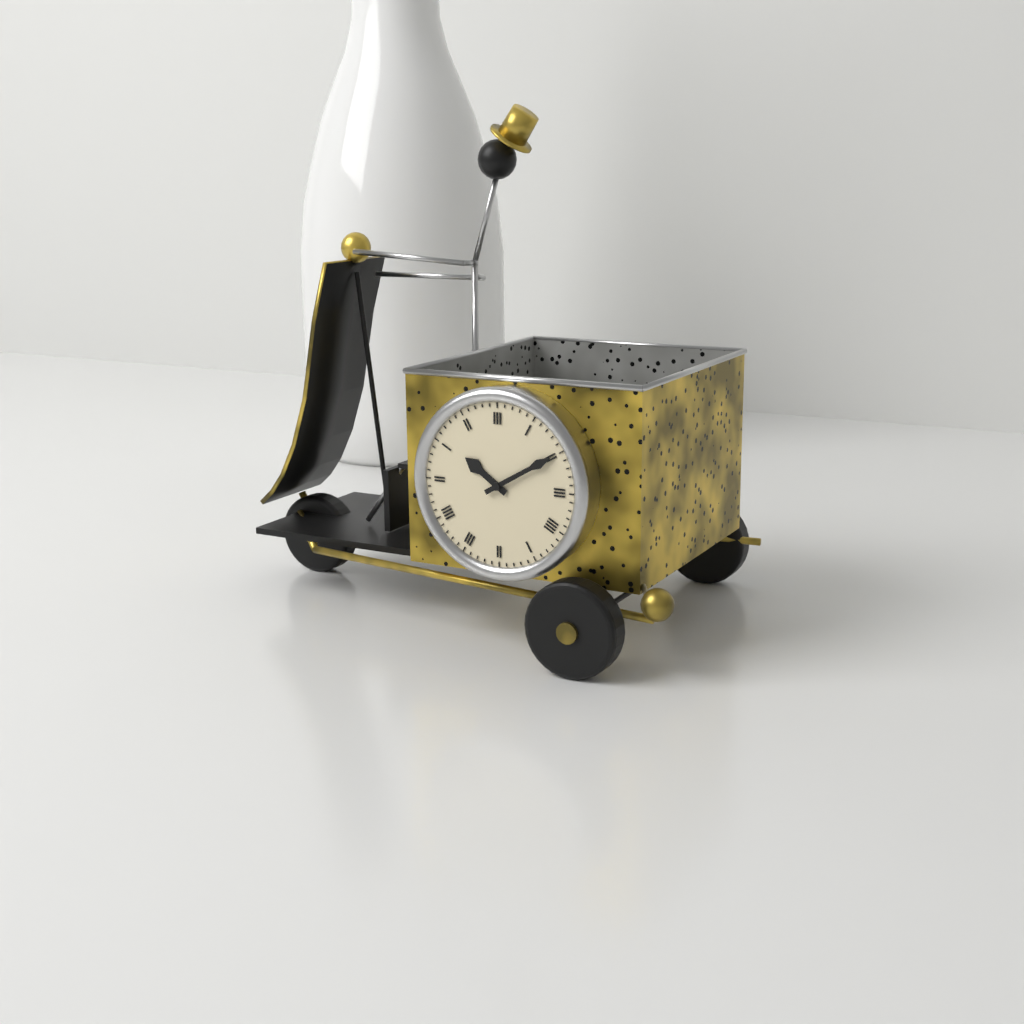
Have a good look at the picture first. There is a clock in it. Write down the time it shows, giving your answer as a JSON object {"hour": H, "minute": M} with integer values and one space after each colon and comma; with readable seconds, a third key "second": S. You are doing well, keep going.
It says {"hour": 10, "minute": 10}
